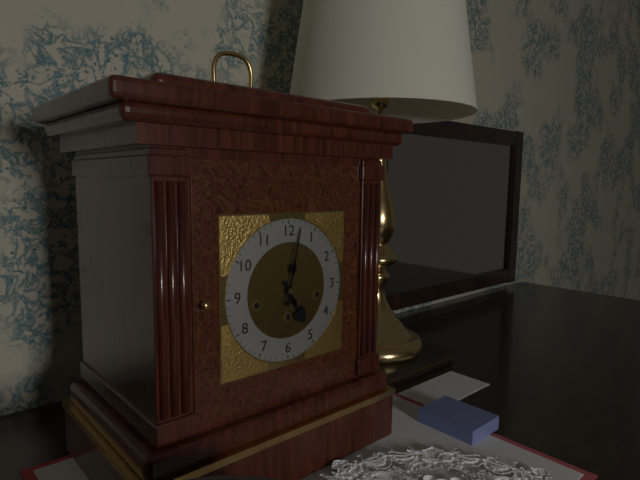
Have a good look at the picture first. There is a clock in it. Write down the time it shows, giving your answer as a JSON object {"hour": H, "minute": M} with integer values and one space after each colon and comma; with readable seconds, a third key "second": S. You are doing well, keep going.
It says {"hour": 5, "minute": 2}
